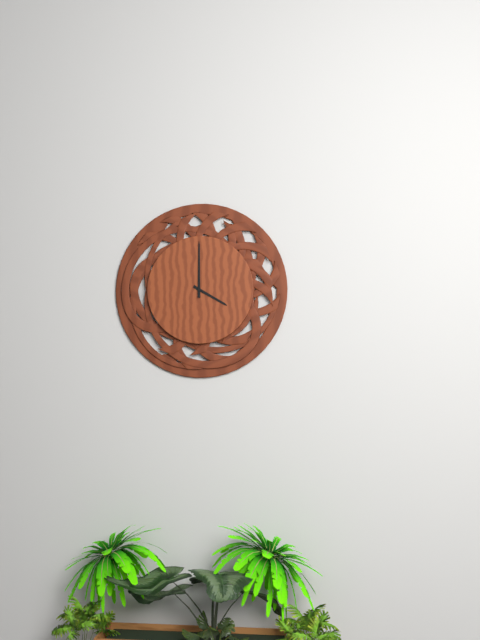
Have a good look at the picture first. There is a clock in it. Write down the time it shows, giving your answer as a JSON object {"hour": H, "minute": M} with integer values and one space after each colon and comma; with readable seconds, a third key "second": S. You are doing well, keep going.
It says {"hour": 4, "minute": 0}
